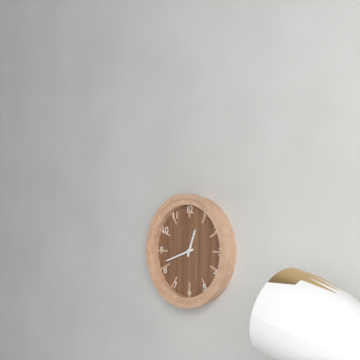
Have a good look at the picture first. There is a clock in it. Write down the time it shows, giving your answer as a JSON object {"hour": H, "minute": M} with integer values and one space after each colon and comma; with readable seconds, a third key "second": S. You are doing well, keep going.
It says {"hour": 12, "minute": 42}
